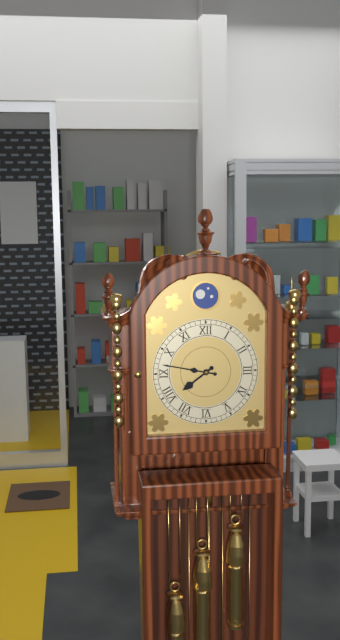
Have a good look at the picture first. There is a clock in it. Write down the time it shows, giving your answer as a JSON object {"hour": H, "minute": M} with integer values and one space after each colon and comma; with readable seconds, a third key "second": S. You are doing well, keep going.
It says {"hour": 7, "minute": 47}
